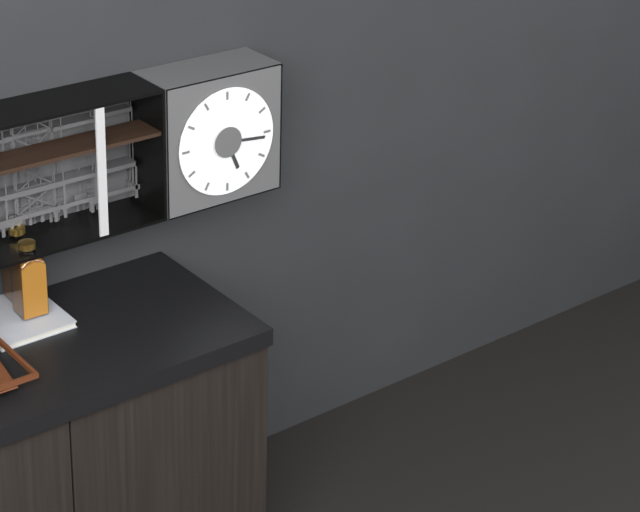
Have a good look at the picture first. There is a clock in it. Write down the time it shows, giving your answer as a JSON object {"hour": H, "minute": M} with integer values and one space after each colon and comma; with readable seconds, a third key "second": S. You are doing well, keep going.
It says {"hour": 5, "minute": 16}
